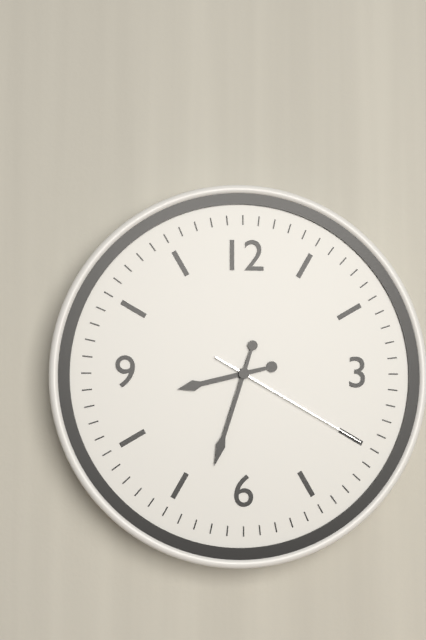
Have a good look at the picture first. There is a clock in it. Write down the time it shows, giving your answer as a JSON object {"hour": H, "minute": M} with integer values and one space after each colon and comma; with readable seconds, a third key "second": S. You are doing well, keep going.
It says {"hour": 8, "minute": 33, "second": 20}
